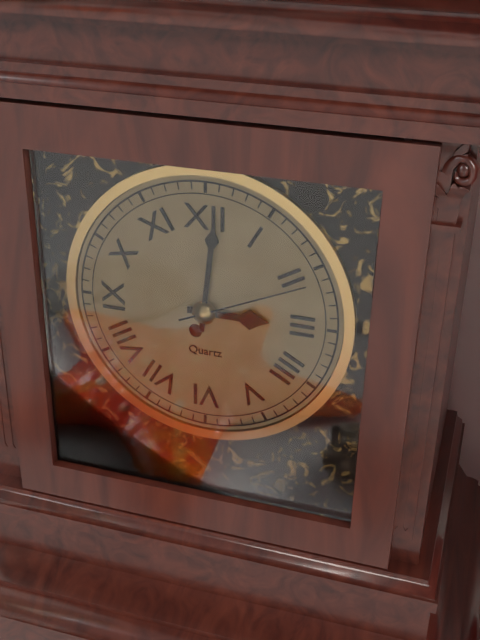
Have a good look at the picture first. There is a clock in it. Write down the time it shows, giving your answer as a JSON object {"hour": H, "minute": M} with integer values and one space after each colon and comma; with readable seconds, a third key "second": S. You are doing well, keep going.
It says {"hour": 3, "minute": 1, "second": 11}
